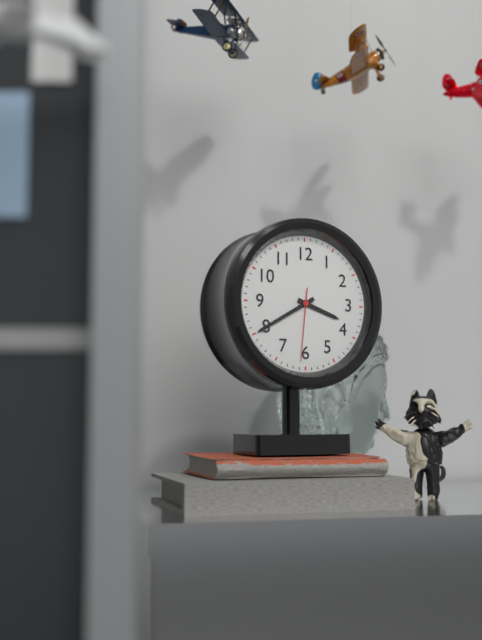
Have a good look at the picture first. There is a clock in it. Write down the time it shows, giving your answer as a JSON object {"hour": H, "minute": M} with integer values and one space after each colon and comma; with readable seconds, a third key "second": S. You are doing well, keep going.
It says {"hour": 3, "minute": 40, "second": 31}
